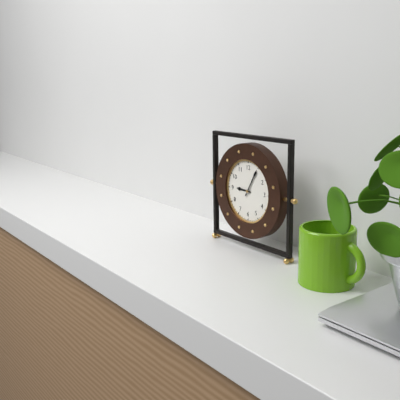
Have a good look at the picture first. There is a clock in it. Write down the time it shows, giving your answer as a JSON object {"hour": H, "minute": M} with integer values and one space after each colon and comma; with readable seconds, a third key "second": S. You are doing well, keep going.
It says {"hour": 9, "minute": 5}
